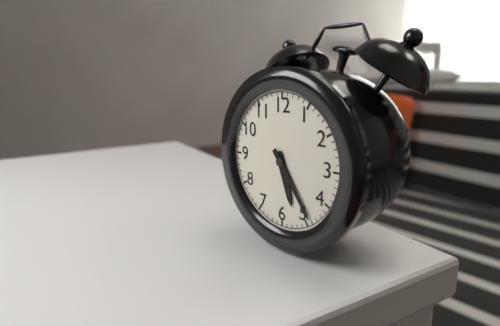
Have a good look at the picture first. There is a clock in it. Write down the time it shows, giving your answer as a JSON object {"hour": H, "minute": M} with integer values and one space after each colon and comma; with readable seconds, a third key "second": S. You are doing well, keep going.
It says {"hour": 5, "minute": 24}
